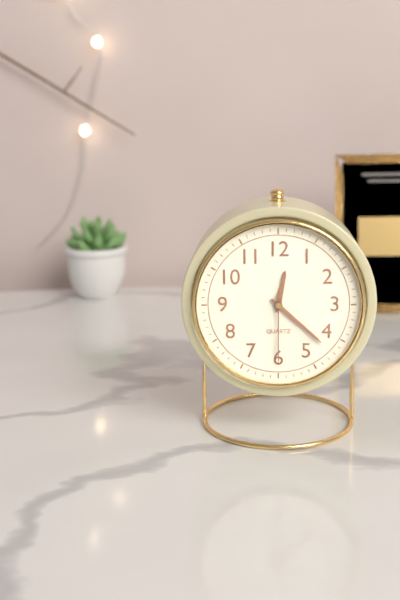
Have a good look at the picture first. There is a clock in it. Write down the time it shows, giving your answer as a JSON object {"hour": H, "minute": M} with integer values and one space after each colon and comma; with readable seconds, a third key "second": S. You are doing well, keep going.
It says {"hour": 12, "minute": 22, "second": 30}
